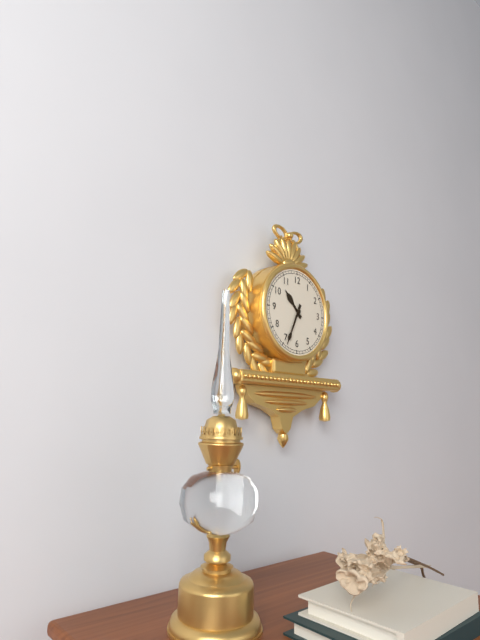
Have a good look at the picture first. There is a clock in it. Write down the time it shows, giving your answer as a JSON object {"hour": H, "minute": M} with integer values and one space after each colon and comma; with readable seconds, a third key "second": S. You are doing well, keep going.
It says {"hour": 10, "minute": 34}
